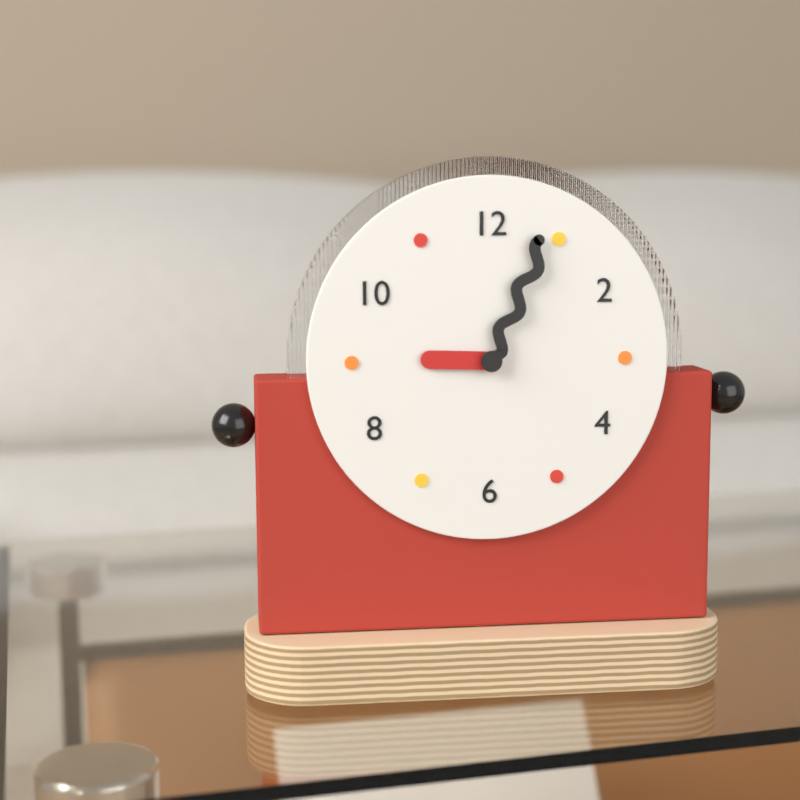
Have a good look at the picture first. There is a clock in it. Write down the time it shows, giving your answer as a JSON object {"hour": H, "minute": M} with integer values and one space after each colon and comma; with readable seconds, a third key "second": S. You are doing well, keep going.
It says {"hour": 9, "minute": 4}
